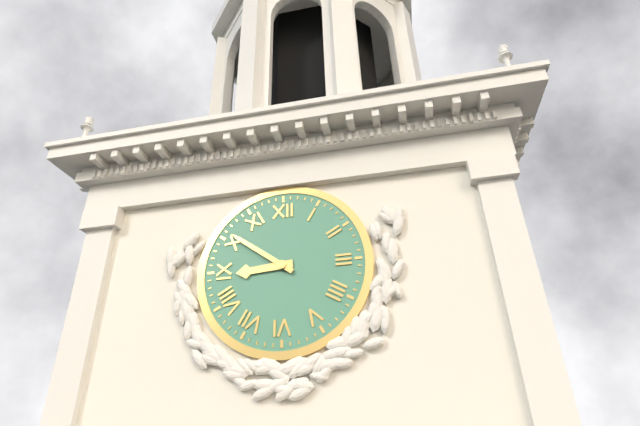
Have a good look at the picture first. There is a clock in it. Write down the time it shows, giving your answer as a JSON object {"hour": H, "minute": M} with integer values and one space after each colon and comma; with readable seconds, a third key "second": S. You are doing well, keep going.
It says {"hour": 8, "minute": 51}
